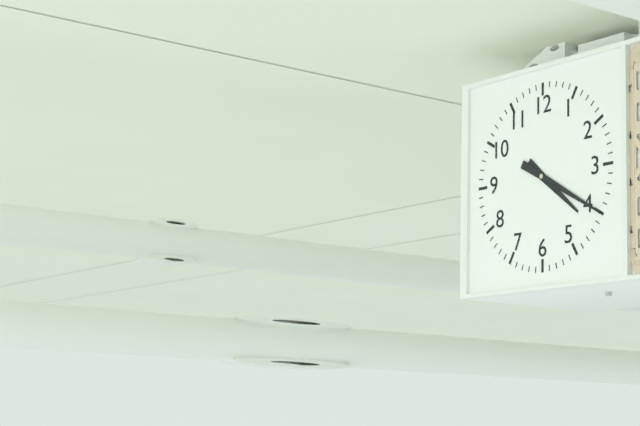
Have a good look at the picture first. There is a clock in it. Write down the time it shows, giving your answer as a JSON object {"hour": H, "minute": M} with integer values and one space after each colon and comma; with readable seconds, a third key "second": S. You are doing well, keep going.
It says {"hour": 4, "minute": 20}
